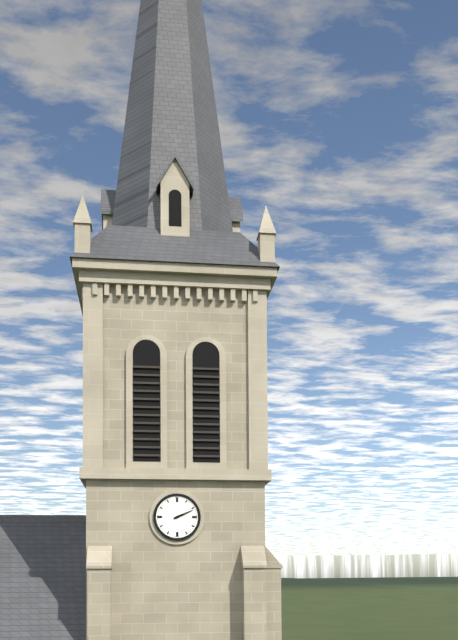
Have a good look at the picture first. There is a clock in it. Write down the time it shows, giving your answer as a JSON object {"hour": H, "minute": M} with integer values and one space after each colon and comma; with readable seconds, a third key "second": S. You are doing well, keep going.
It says {"hour": 2, "minute": 11}
